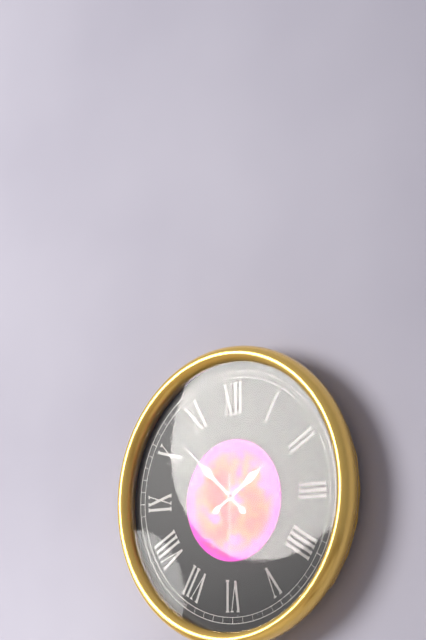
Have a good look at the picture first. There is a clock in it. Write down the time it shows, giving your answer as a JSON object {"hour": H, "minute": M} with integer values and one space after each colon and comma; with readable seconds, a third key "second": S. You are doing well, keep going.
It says {"hour": 1, "minute": 52, "second": 30}
